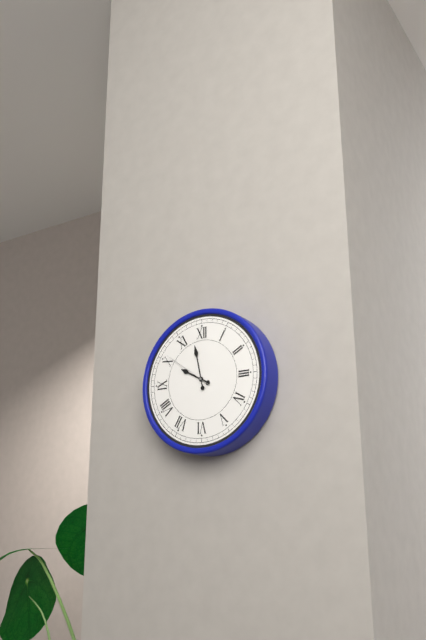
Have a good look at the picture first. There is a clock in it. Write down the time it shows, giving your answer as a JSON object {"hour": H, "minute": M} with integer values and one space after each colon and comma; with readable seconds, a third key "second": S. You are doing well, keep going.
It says {"hour": 9, "minute": 58, "second": 51}
